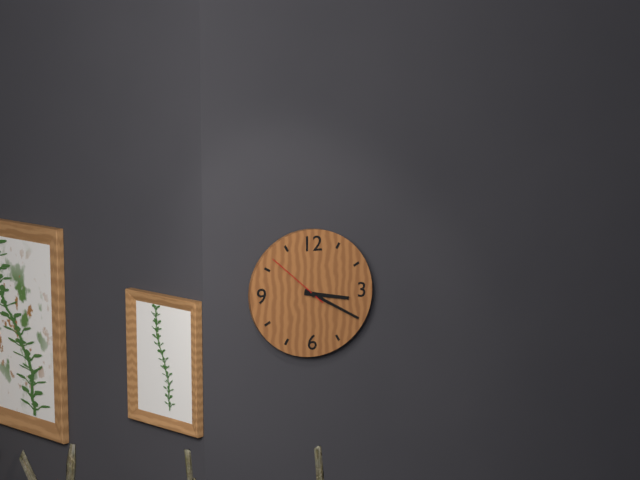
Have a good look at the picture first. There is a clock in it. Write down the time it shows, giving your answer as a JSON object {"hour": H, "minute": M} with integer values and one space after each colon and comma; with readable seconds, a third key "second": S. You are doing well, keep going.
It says {"hour": 3, "minute": 20, "second": 52}
